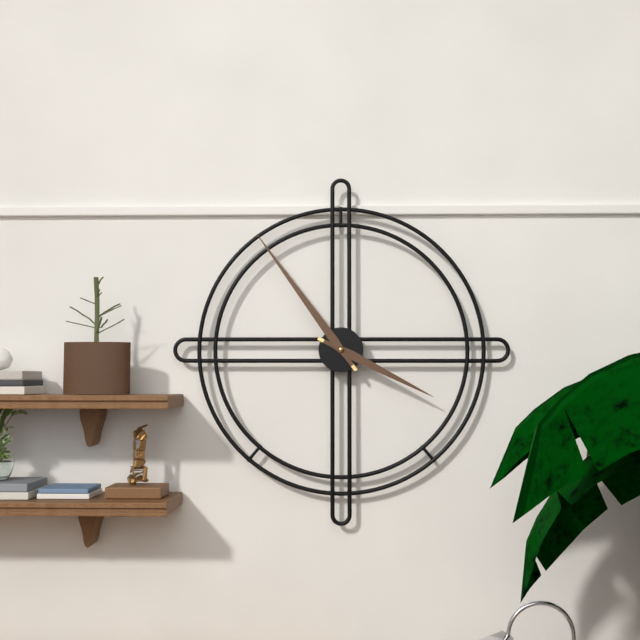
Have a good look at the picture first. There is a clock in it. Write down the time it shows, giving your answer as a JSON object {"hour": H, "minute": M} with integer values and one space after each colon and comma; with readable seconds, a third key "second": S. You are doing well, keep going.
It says {"hour": 3, "minute": 54}
